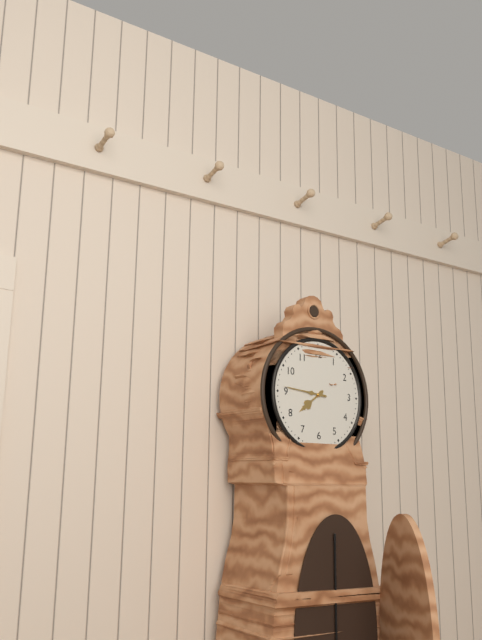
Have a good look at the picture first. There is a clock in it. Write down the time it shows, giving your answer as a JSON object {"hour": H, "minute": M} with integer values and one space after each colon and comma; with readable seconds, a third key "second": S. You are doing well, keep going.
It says {"hour": 7, "minute": 46}
